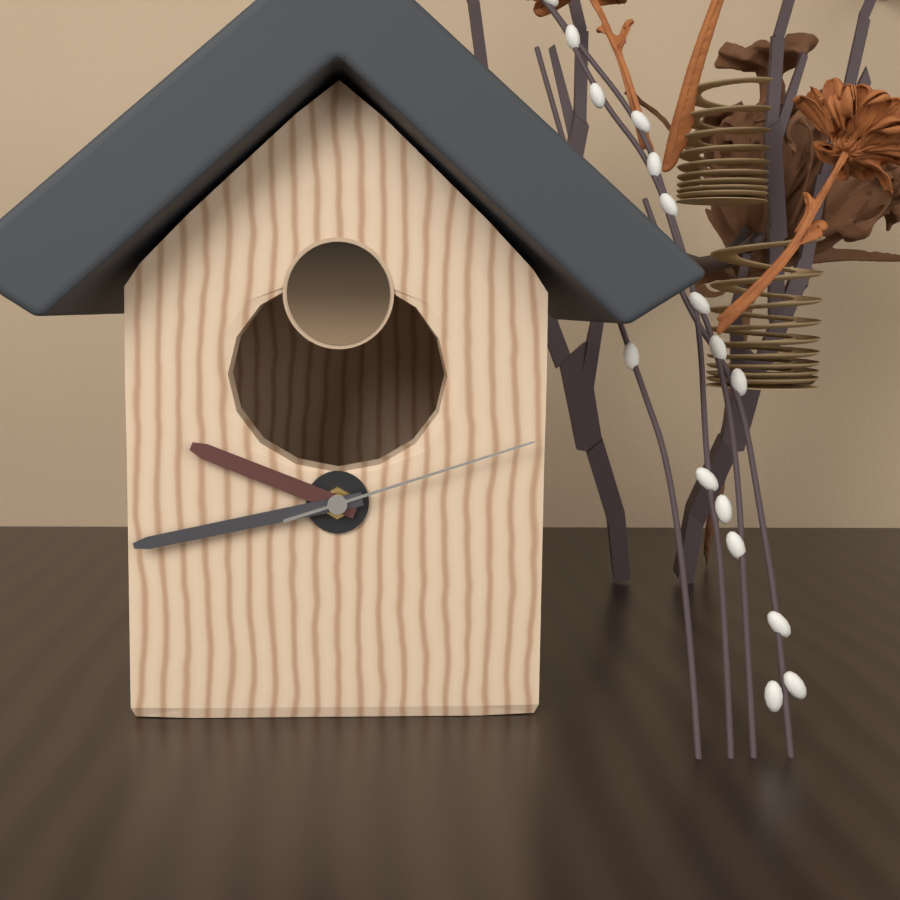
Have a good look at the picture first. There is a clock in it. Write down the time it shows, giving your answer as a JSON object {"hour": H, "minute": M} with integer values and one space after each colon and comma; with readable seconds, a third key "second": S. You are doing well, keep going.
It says {"hour": 9, "minute": 43, "second": 12}
